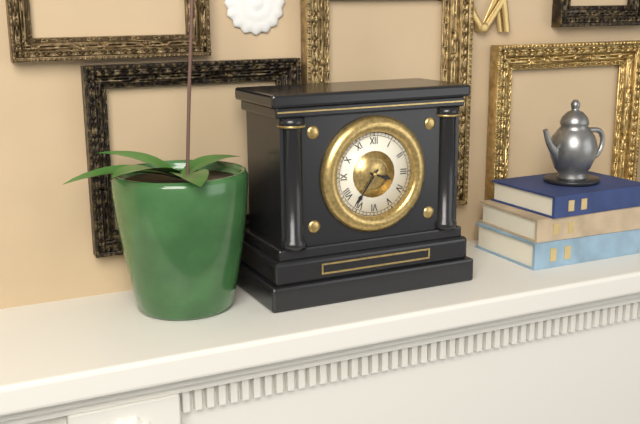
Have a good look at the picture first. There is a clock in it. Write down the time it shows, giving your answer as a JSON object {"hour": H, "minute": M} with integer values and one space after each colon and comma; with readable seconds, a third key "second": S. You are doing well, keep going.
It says {"hour": 3, "minute": 36}
